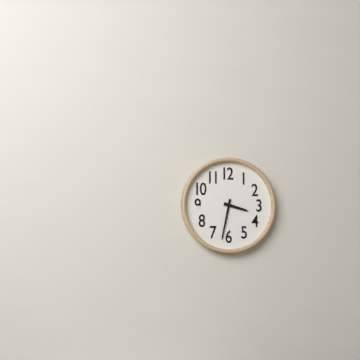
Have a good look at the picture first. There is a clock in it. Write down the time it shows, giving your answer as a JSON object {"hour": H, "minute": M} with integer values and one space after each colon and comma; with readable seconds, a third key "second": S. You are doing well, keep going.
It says {"hour": 3, "minute": 32}
